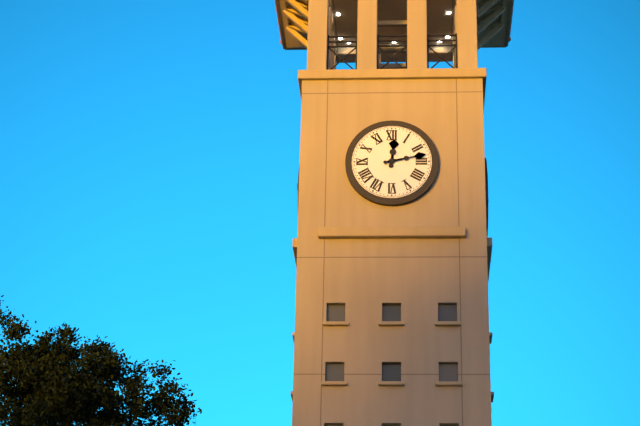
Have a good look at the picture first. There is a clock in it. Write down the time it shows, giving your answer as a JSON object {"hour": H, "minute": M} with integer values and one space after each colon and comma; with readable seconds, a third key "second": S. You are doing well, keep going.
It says {"hour": 12, "minute": 13}
